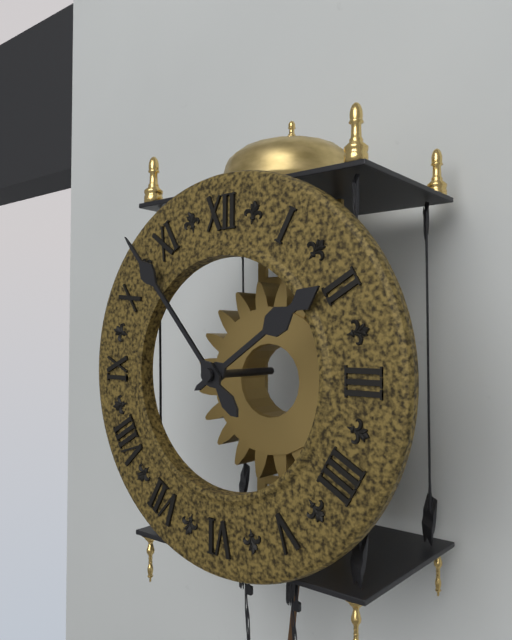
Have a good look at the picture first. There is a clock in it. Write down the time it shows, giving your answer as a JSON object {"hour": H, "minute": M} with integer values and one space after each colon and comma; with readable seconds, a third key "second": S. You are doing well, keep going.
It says {"hour": 1, "minute": 53}
